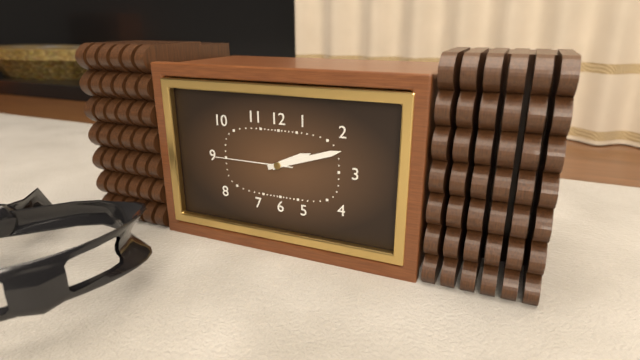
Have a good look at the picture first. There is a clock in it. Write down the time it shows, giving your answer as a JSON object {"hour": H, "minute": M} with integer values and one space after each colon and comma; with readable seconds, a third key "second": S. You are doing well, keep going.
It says {"hour": 2, "minute": 12, "second": 45}
